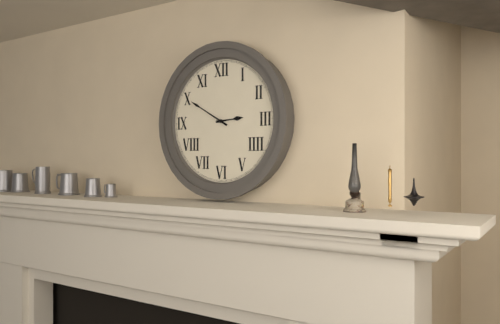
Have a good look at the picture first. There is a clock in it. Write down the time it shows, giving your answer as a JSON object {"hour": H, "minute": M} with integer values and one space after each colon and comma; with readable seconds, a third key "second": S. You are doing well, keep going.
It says {"hour": 2, "minute": 50}
